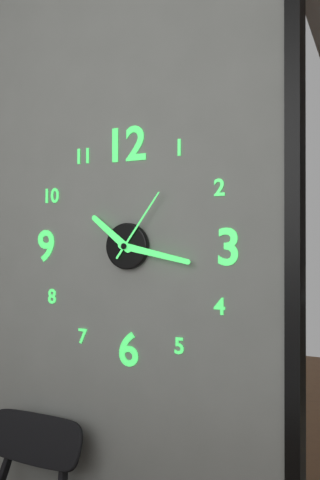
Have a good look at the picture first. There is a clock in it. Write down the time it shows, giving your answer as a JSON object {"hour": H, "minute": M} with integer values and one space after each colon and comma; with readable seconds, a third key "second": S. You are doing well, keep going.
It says {"hour": 10, "minute": 17, "second": 6}
